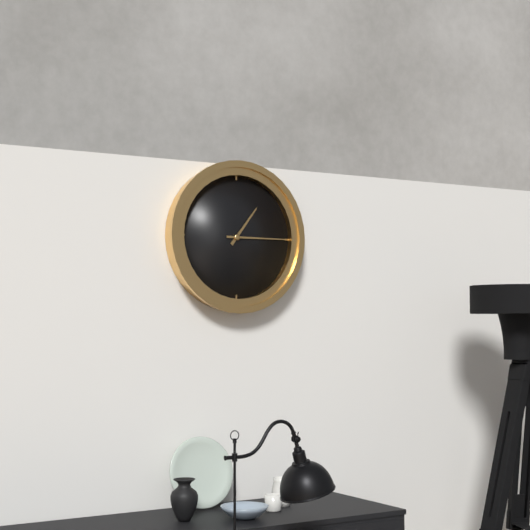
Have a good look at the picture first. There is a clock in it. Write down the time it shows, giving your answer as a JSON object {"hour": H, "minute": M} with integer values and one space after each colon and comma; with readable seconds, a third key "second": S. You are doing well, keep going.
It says {"hour": 1, "minute": 15}
